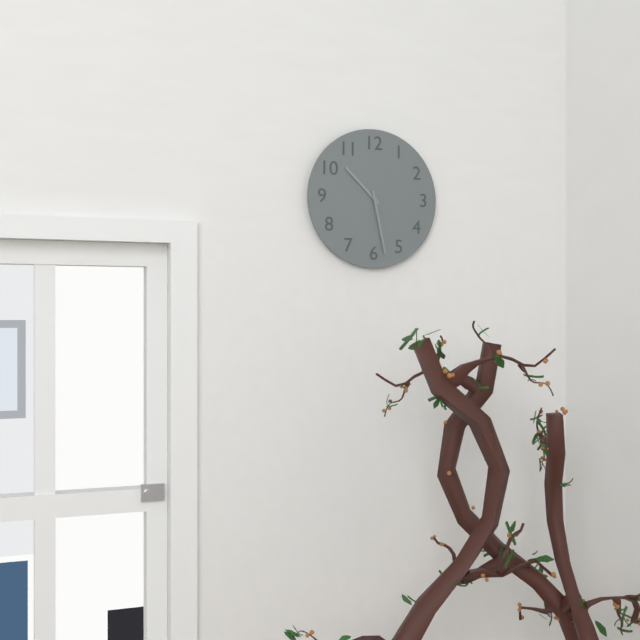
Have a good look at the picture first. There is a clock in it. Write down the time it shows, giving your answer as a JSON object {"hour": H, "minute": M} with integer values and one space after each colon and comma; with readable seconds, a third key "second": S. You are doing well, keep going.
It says {"hour": 10, "minute": 28}
